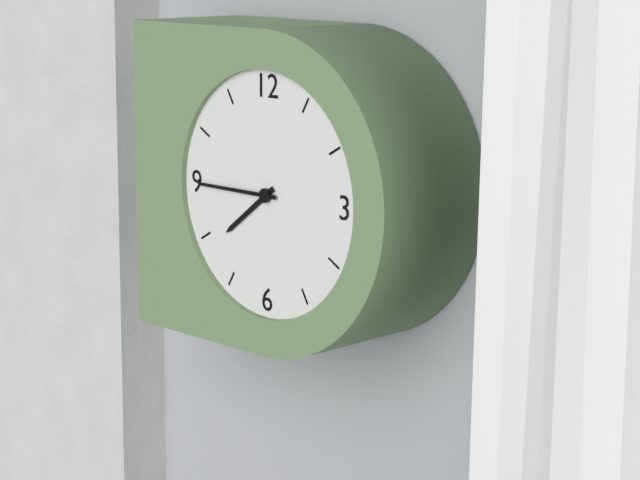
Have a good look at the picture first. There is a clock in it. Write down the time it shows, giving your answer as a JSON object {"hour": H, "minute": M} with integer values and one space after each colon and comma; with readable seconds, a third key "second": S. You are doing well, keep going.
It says {"hour": 7, "minute": 45}
